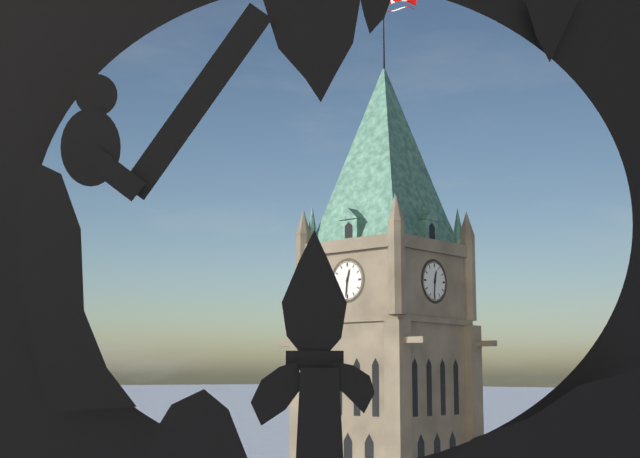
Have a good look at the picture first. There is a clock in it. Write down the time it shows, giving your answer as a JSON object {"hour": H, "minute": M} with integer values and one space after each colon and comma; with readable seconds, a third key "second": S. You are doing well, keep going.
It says {"hour": 12, "minute": 31}
